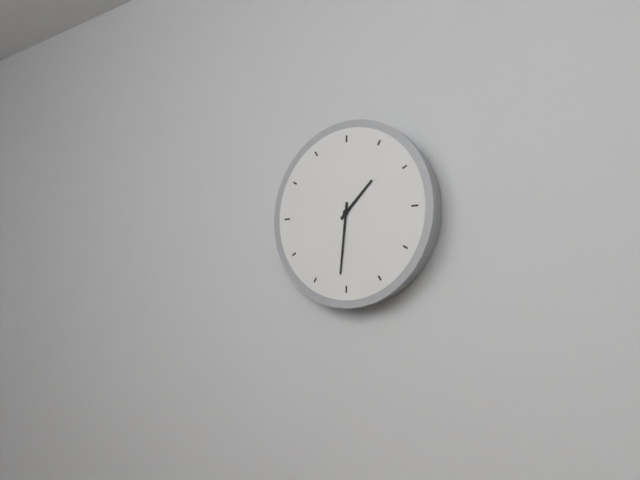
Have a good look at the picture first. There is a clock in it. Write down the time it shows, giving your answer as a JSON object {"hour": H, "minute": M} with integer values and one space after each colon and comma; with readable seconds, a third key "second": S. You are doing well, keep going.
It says {"hour": 1, "minute": 31}
